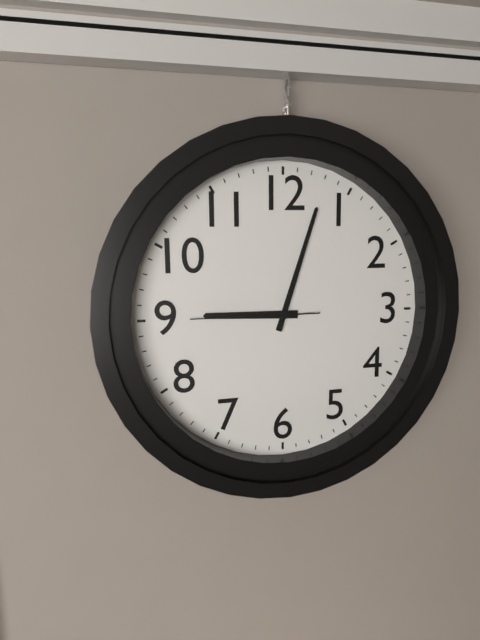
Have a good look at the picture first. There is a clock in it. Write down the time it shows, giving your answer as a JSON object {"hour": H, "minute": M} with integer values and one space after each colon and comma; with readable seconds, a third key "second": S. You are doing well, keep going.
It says {"hour": 9, "minute": 3, "second": 45}
